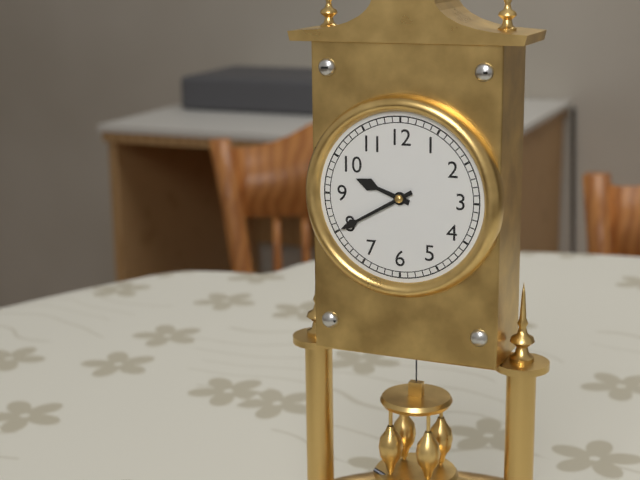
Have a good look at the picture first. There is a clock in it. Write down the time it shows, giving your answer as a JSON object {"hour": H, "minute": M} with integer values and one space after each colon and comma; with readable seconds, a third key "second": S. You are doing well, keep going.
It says {"hour": 9, "minute": 40}
